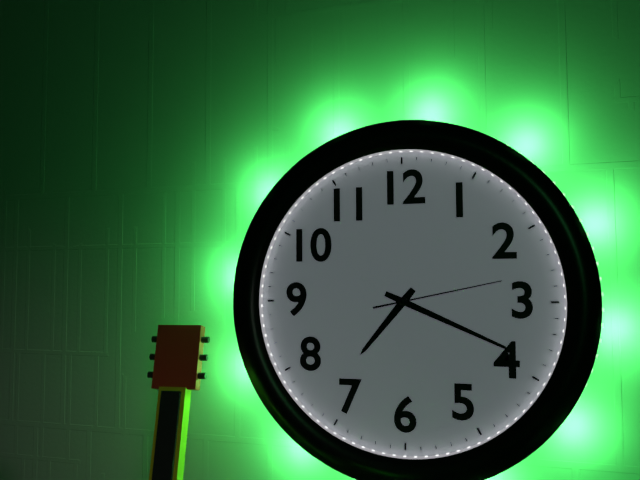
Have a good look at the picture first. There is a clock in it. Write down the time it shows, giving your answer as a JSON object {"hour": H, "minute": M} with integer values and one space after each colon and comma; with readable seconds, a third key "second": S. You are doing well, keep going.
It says {"hour": 7, "minute": 19, "second": 13}
